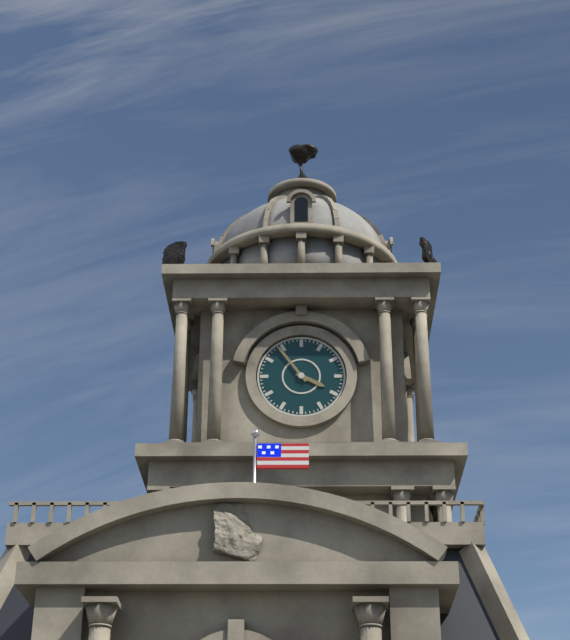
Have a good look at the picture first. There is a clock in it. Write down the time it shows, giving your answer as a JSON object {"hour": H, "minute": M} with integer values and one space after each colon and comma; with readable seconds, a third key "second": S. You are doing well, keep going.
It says {"hour": 3, "minute": 54}
